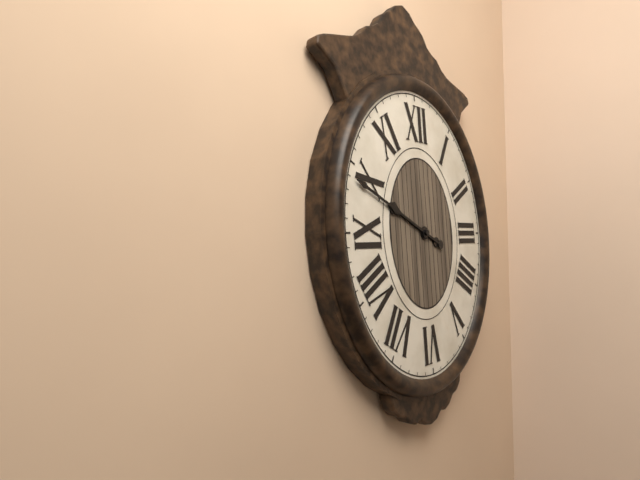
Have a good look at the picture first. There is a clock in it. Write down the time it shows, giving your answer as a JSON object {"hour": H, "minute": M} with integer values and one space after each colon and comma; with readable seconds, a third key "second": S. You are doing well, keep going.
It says {"hour": 9, "minute": 49}
